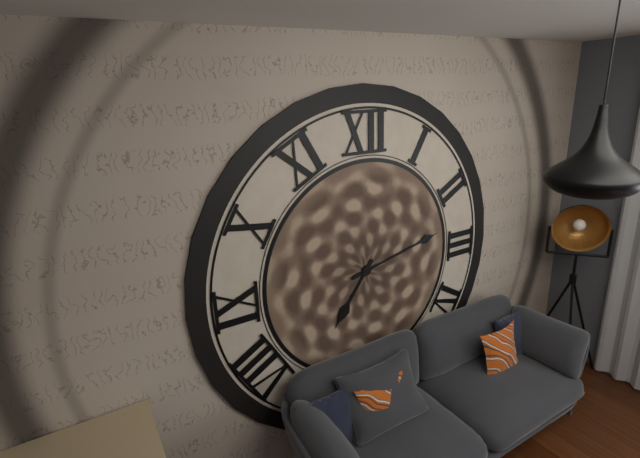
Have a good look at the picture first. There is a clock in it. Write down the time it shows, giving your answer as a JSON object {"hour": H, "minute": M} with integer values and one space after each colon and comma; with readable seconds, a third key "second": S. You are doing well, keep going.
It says {"hour": 7, "minute": 13}
